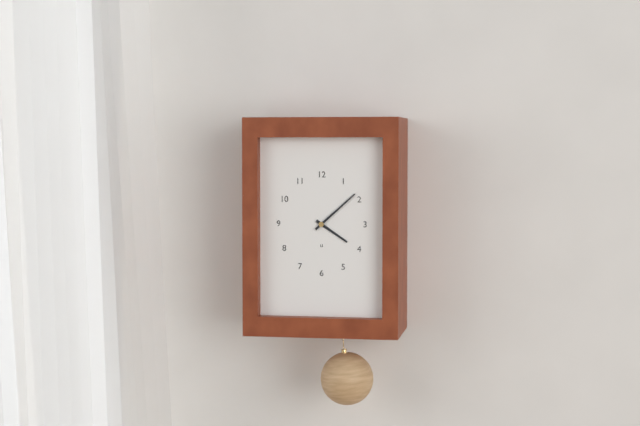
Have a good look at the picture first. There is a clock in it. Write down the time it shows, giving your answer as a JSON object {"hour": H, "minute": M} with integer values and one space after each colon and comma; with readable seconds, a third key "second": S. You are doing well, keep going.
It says {"hour": 4, "minute": 8}
